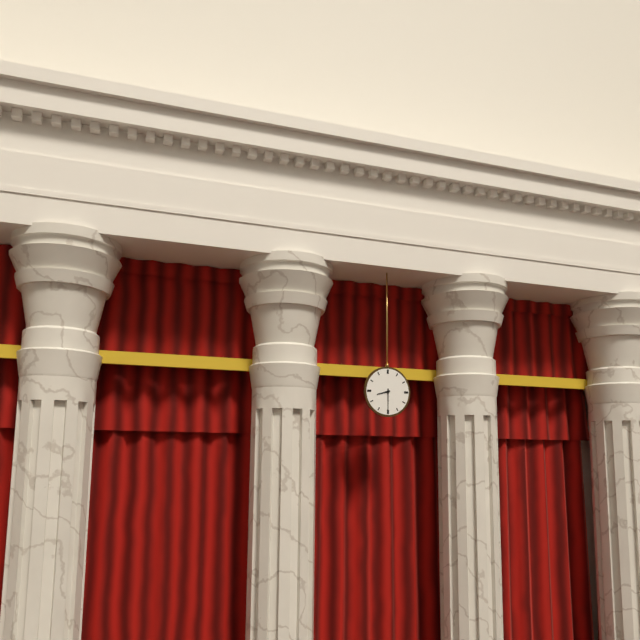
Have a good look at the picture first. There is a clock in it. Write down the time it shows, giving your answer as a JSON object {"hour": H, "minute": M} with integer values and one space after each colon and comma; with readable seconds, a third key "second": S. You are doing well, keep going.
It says {"hour": 8, "minute": 30}
